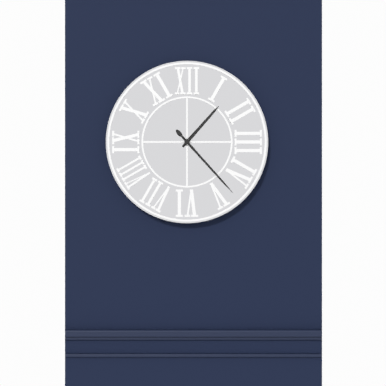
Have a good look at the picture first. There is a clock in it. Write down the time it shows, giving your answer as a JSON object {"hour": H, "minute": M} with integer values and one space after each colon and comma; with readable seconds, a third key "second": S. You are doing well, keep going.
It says {"hour": 1, "minute": 23}
